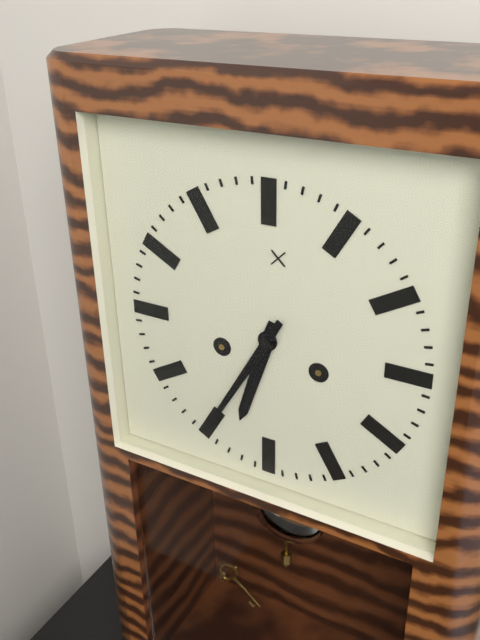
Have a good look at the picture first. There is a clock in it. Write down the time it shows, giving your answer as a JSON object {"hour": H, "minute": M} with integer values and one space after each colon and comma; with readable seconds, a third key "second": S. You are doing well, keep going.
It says {"hour": 6, "minute": 35}
